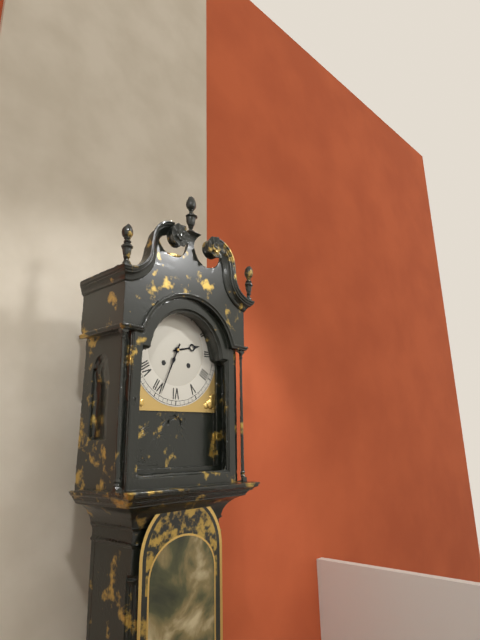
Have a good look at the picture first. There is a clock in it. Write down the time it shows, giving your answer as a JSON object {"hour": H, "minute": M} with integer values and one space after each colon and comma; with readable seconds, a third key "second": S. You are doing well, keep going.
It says {"hour": 2, "minute": 34}
